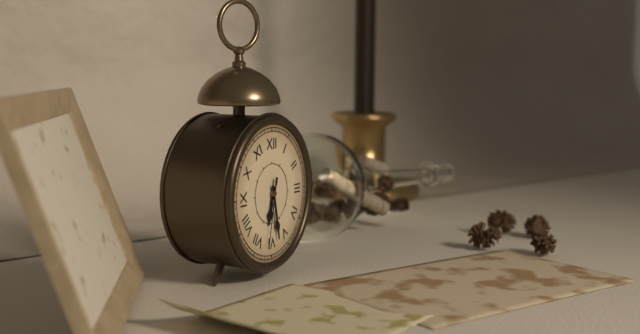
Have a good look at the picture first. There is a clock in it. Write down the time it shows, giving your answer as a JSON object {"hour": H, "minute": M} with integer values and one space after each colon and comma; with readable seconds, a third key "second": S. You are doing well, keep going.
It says {"hour": 6, "minute": 28, "second": 32}
